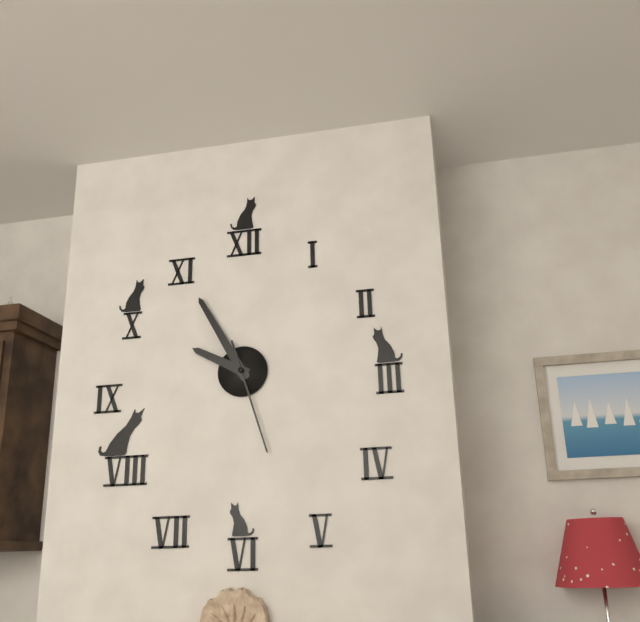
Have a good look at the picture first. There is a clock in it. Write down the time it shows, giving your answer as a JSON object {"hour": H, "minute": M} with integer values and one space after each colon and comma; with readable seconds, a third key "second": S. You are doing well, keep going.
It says {"hour": 9, "minute": 55, "second": 27}
